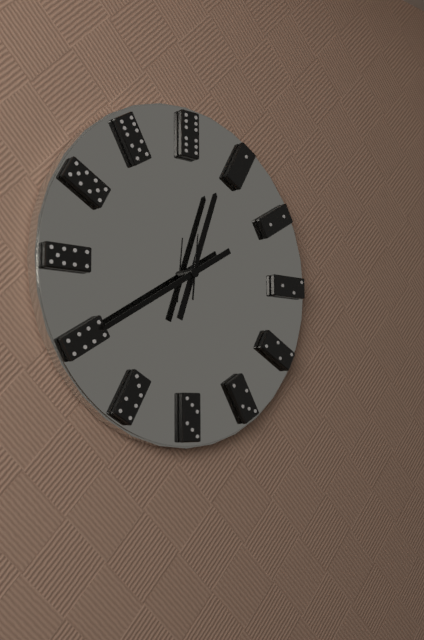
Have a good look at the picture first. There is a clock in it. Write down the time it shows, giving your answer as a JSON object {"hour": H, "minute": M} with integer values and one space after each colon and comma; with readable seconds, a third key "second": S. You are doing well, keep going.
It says {"hour": 12, "minute": 40, "second": 1}
